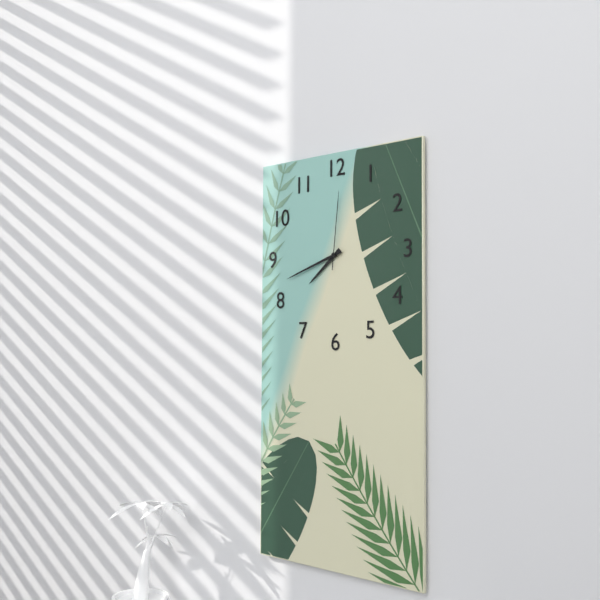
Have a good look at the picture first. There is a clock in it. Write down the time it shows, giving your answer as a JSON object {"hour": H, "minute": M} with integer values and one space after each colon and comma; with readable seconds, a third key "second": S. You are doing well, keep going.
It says {"hour": 7, "minute": 42, "second": 1}
